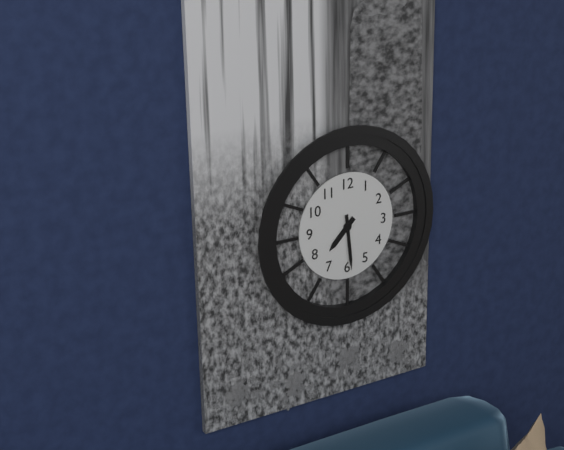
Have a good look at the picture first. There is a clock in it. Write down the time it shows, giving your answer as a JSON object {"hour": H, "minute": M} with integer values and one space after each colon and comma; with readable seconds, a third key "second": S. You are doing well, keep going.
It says {"hour": 7, "minute": 29}
